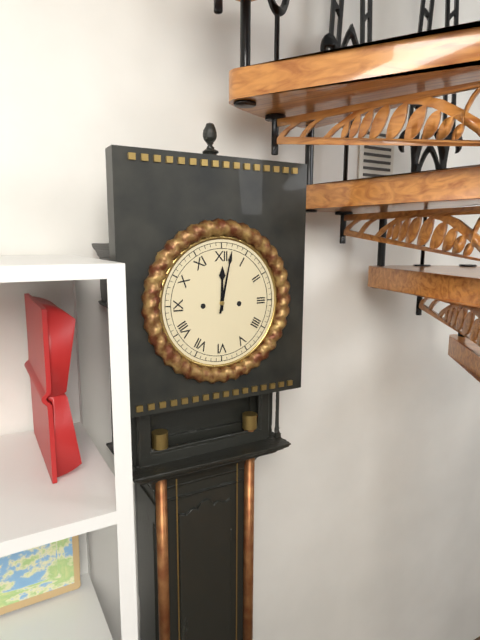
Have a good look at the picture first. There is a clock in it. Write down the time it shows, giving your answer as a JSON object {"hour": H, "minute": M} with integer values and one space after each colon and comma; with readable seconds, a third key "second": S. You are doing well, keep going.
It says {"hour": 12, "minute": 2}
